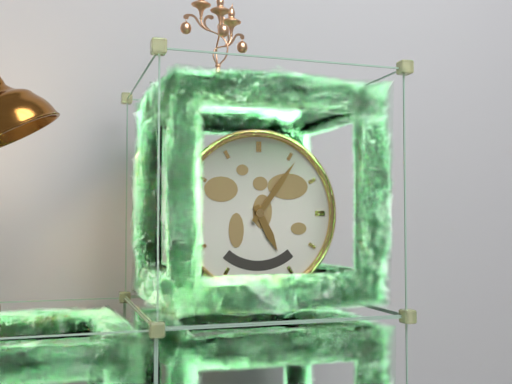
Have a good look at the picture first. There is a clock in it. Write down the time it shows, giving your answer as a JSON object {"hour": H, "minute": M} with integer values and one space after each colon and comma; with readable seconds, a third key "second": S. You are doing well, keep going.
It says {"hour": 5, "minute": 6}
